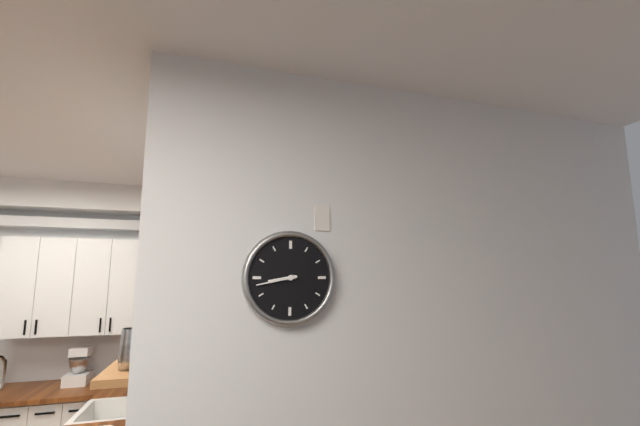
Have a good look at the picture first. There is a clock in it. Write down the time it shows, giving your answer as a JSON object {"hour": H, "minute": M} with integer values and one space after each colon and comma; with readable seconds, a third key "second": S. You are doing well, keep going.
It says {"hour": 8, "minute": 43}
